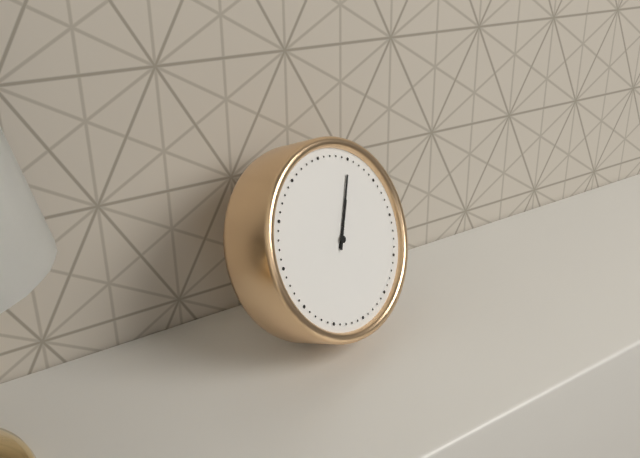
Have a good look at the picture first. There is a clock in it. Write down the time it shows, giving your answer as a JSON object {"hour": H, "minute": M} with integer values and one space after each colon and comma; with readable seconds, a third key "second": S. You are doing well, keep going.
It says {"hour": 1, "minute": 5}
